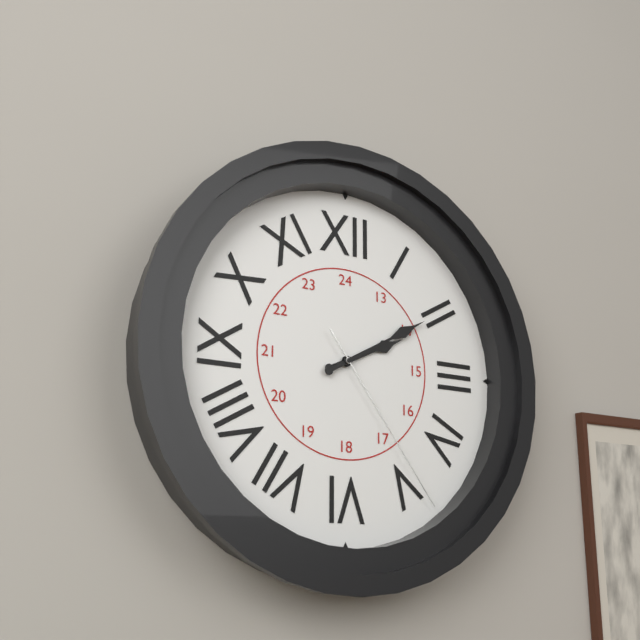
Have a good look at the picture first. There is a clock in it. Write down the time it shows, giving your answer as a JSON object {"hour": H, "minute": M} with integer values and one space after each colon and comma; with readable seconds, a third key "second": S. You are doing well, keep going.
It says {"hour": 2, "minute": 10, "second": 24}
